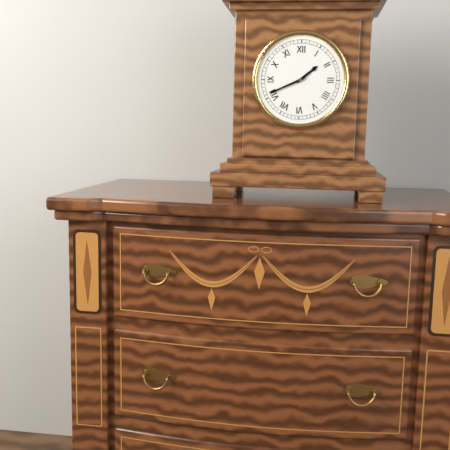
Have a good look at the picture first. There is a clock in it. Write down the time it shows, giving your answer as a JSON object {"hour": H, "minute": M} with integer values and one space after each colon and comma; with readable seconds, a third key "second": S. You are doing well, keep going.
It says {"hour": 1, "minute": 41}
